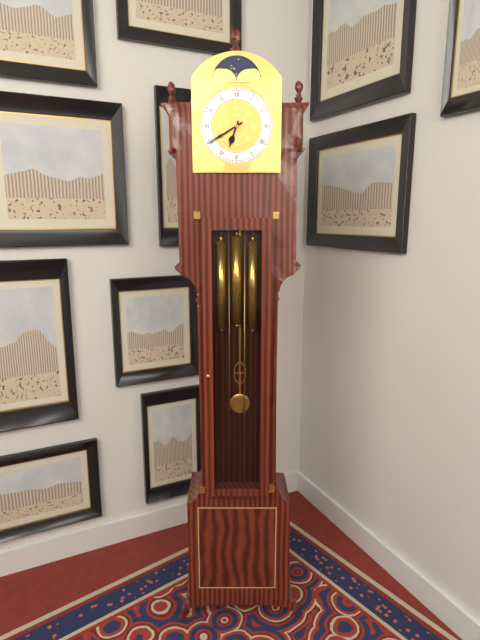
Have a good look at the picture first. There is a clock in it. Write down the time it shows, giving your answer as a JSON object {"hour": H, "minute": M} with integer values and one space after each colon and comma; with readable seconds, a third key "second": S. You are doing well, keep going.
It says {"hour": 6, "minute": 40}
